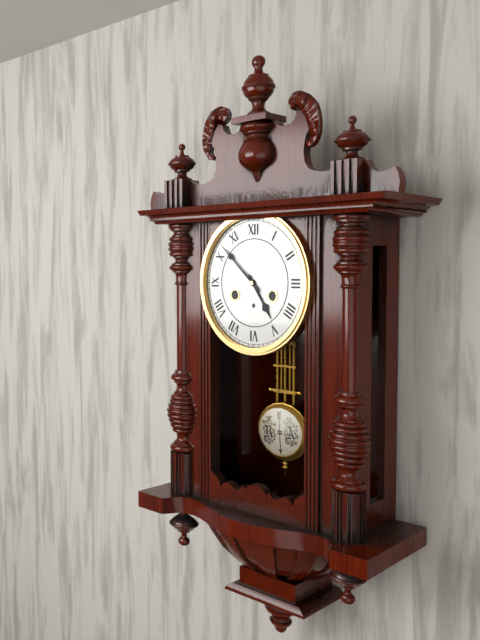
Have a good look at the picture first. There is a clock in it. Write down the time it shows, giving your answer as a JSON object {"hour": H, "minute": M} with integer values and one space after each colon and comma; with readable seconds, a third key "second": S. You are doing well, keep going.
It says {"hour": 4, "minute": 52}
